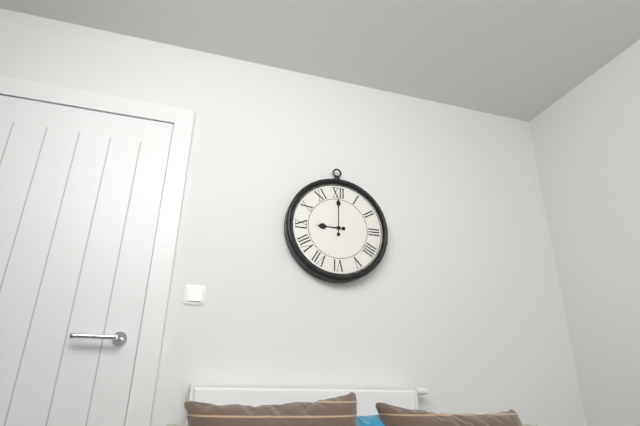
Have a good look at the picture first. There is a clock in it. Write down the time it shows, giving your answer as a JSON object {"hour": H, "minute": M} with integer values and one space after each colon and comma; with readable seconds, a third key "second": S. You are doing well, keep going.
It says {"hour": 9, "minute": 0}
